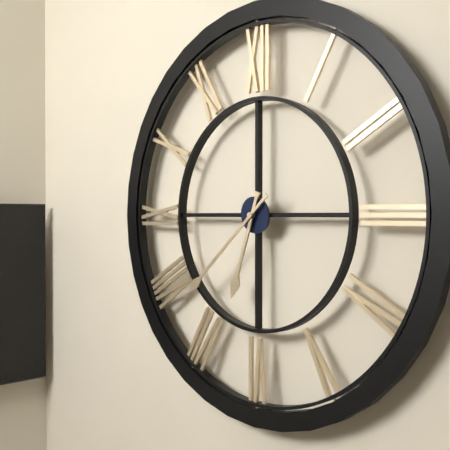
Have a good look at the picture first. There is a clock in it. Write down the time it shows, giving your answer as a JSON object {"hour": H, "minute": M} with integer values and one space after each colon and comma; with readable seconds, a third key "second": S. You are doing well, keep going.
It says {"hour": 6, "minute": 38}
